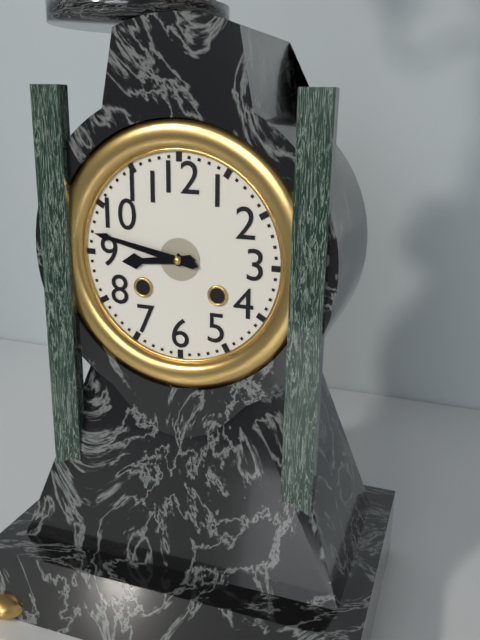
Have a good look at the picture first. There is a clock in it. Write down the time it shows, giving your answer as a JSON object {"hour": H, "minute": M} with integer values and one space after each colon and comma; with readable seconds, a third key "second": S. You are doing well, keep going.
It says {"hour": 8, "minute": 47}
